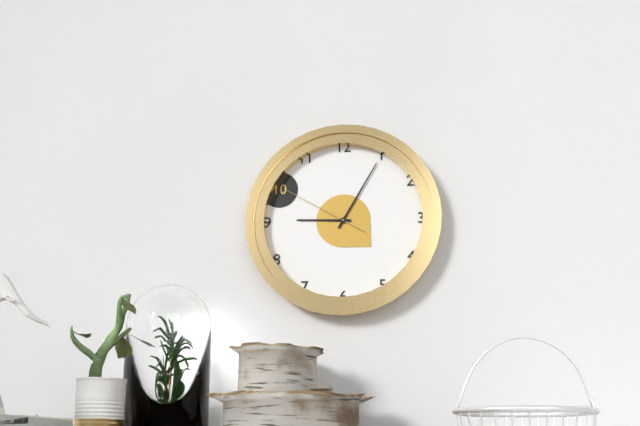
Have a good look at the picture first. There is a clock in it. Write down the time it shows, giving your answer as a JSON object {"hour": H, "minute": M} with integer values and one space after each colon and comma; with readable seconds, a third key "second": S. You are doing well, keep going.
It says {"hour": 9, "minute": 5, "second": 50}
